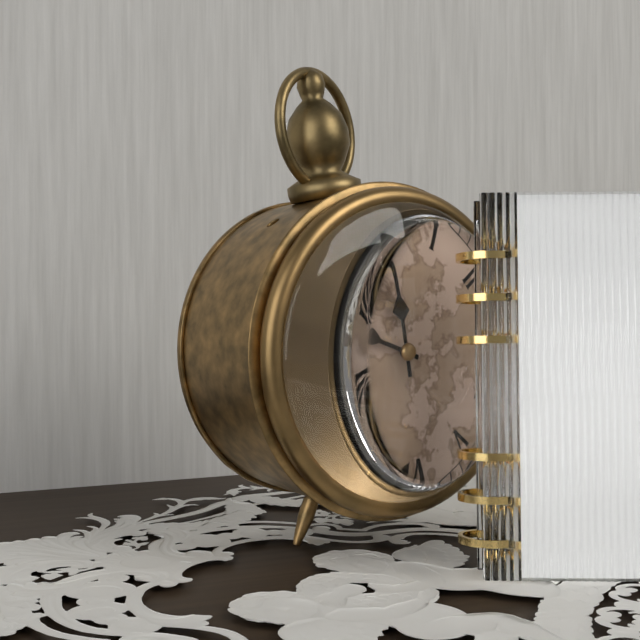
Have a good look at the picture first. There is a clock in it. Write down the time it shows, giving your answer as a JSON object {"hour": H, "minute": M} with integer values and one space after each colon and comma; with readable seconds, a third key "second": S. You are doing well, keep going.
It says {"hour": 10, "minute": 0}
